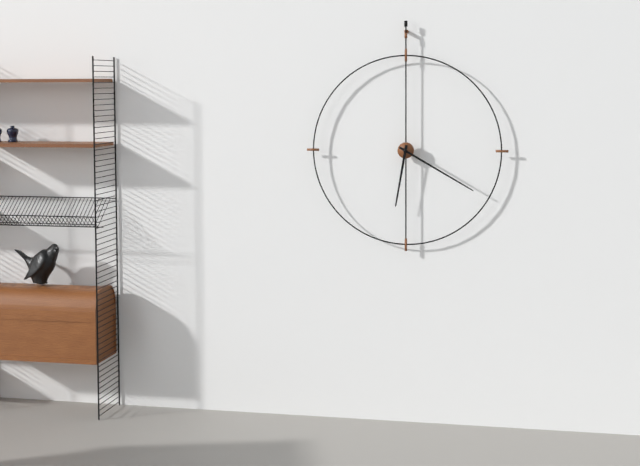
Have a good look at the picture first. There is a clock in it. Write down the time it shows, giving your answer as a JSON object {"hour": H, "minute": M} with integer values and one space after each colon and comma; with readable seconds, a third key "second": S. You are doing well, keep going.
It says {"hour": 6, "minute": 20}
